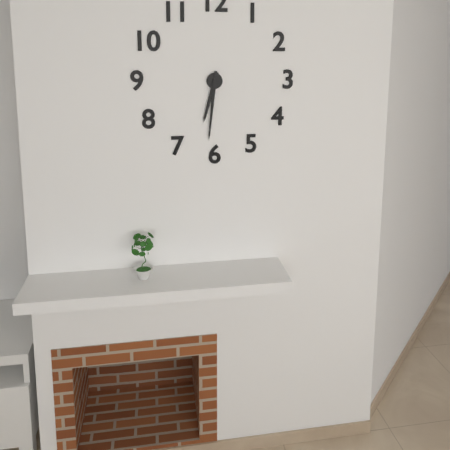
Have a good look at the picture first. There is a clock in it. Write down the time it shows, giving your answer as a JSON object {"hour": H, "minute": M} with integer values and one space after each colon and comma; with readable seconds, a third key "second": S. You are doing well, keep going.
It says {"hour": 6, "minute": 31}
